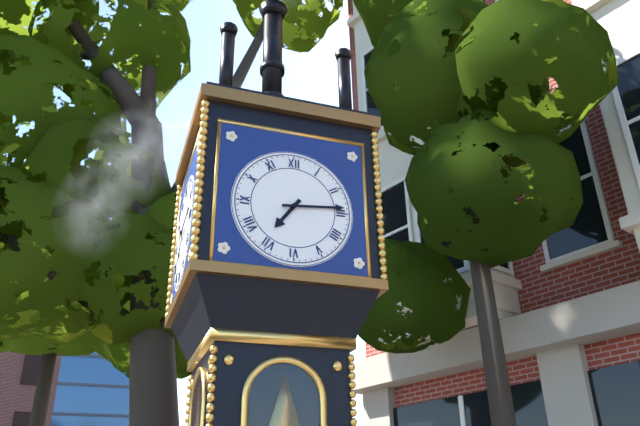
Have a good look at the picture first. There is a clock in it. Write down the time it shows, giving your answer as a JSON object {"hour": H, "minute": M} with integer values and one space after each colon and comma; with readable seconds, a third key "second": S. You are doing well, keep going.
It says {"hour": 7, "minute": 14}
